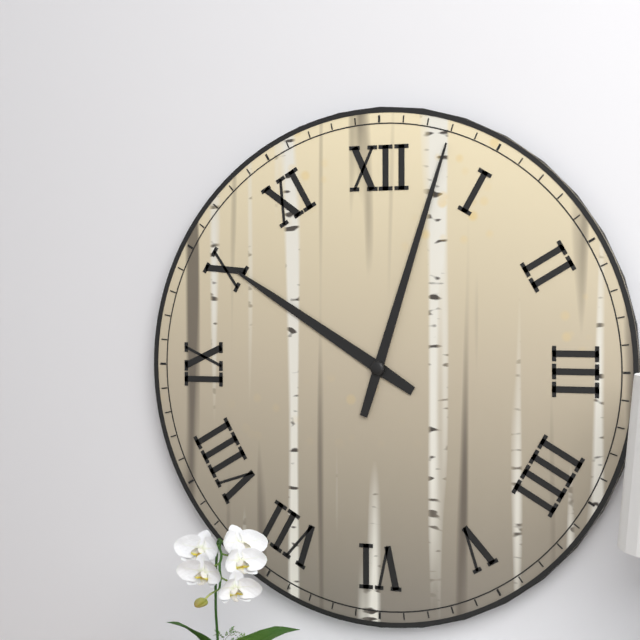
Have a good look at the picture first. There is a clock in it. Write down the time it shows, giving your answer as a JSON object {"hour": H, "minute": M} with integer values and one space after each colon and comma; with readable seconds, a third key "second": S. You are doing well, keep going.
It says {"hour": 10, "minute": 3}
